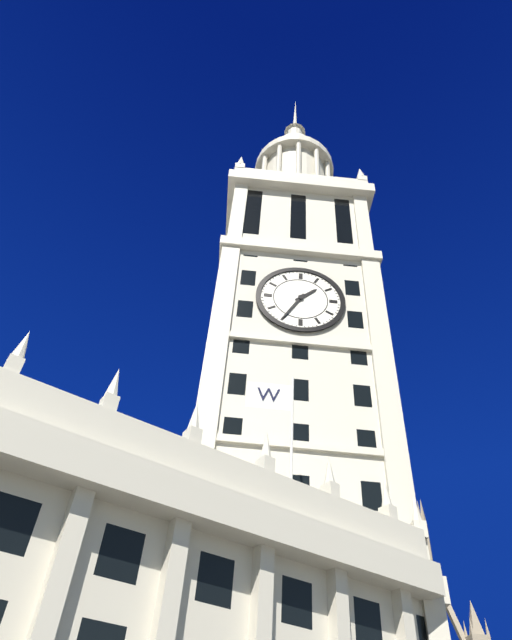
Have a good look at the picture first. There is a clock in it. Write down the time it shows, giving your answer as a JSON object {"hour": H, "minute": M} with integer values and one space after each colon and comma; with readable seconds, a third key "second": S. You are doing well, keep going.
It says {"hour": 1, "minute": 35}
